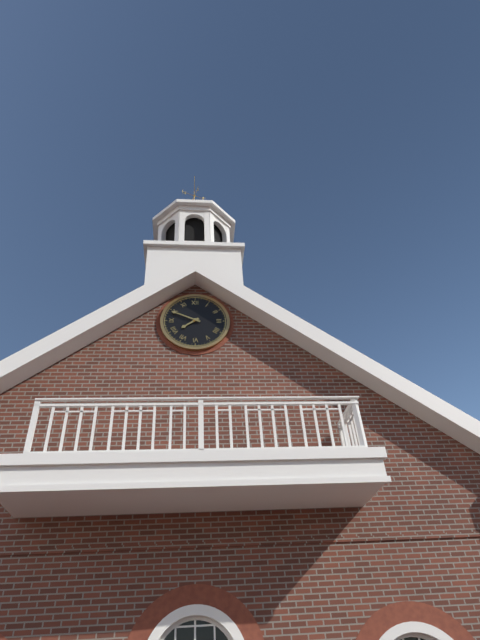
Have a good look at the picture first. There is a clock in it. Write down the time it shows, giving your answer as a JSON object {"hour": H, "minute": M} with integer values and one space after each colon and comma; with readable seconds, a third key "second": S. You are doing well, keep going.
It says {"hour": 7, "minute": 49}
